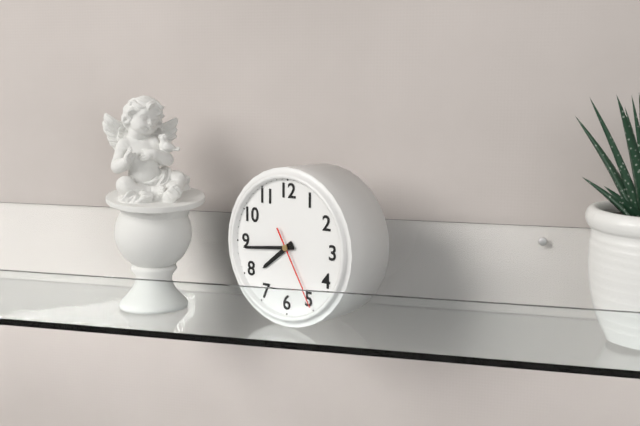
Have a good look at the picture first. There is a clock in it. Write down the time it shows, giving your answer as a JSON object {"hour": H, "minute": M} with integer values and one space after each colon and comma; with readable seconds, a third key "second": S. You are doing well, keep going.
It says {"hour": 7, "minute": 44, "second": 25}
